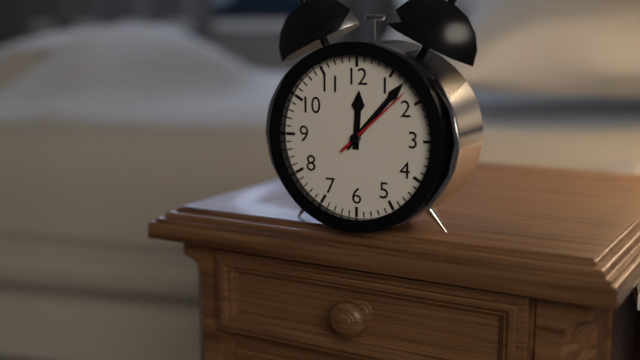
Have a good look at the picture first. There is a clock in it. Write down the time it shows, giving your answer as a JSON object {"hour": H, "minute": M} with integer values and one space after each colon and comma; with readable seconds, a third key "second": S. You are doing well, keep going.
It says {"hour": 12, "minute": 7, "second": 8}
